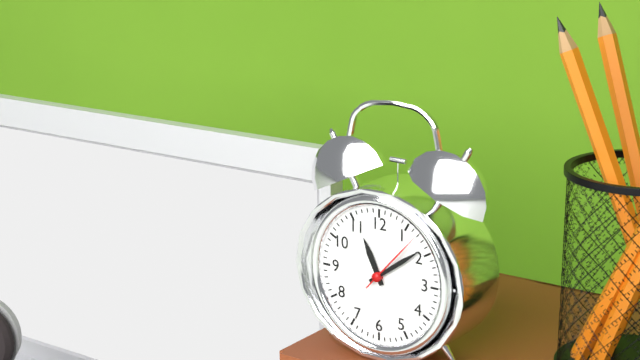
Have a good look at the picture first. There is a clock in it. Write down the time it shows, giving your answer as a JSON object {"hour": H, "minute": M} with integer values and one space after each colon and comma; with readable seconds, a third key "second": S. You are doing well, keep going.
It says {"hour": 11, "minute": 9, "second": 7}
